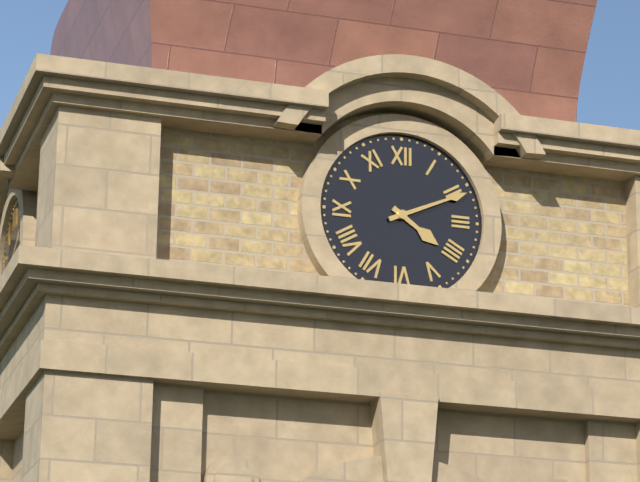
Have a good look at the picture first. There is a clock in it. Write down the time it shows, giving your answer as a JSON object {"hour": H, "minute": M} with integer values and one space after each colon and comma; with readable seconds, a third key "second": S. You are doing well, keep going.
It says {"hour": 4, "minute": 11}
